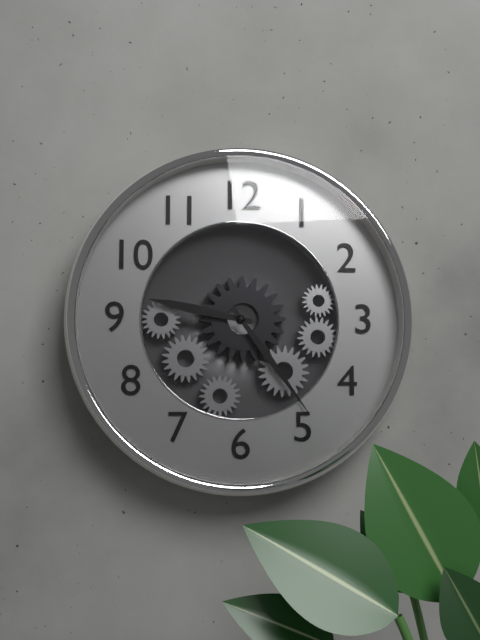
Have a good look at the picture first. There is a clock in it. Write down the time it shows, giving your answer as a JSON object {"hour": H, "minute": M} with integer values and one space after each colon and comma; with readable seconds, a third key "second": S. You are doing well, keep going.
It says {"hour": 9, "minute": 24}
